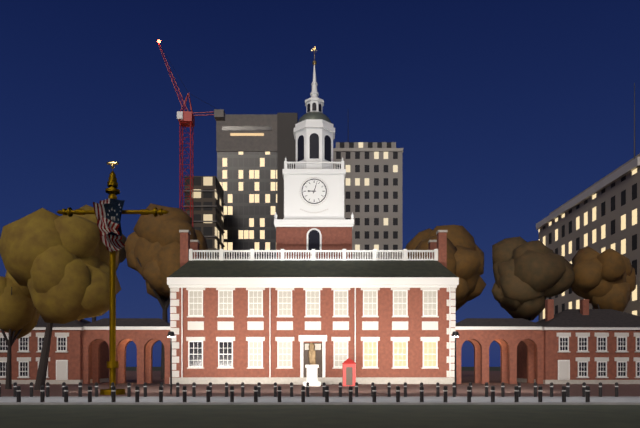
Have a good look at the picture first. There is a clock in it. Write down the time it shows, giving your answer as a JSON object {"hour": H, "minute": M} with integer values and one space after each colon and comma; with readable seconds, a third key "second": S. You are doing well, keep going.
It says {"hour": 9, "minute": 3}
